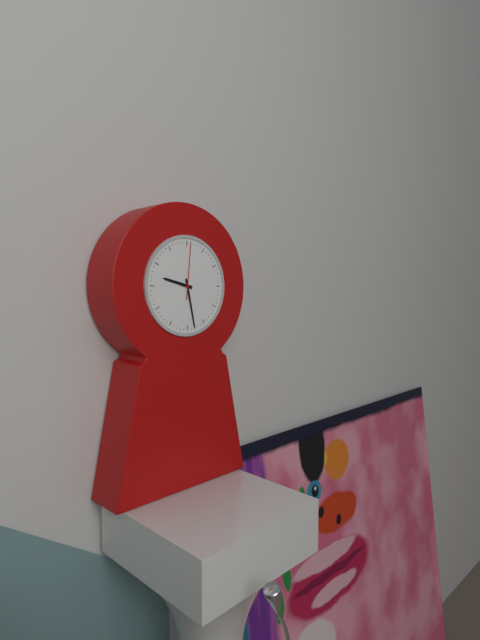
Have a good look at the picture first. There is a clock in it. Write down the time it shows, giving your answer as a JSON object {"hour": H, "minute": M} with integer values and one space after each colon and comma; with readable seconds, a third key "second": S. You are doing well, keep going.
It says {"hour": 9, "minute": 28, "second": 1}
